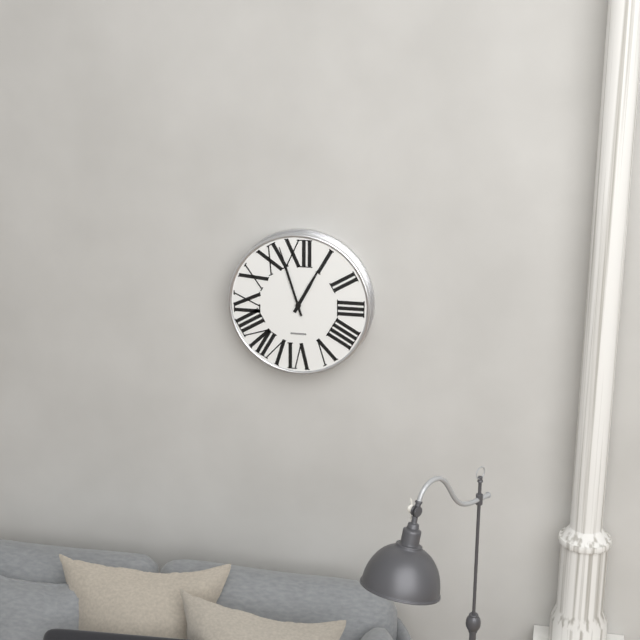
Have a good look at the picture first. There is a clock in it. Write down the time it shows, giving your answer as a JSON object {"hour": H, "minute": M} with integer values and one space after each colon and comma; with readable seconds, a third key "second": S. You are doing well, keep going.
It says {"hour": 12, "minute": 57}
